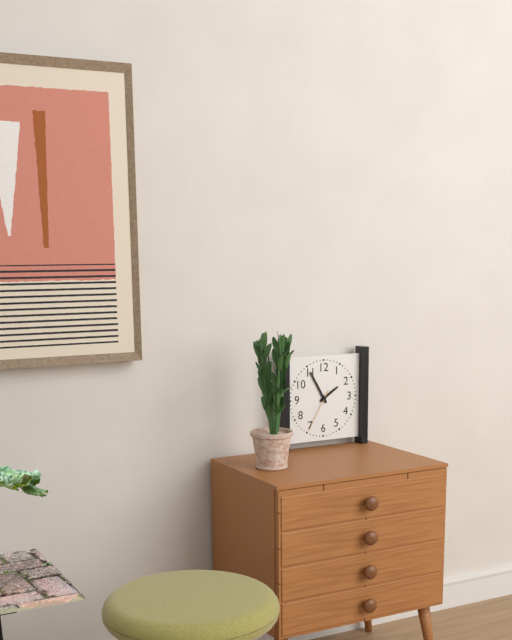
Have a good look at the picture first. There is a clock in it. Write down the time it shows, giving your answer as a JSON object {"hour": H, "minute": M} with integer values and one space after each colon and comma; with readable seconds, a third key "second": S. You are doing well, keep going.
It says {"hour": 1, "minute": 55}
